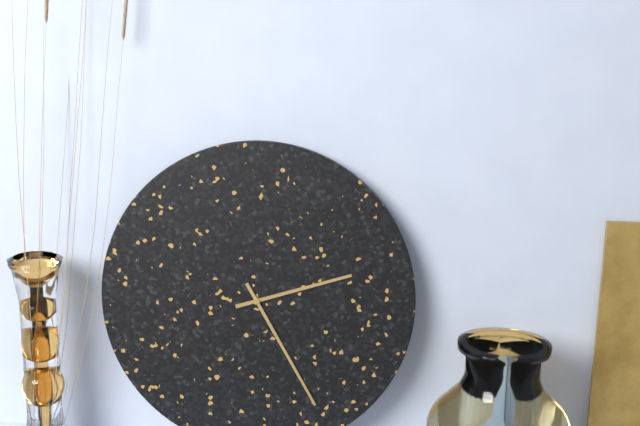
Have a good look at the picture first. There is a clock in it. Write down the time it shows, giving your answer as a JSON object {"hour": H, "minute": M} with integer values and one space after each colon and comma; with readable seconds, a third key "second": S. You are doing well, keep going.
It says {"hour": 2, "minute": 25}
